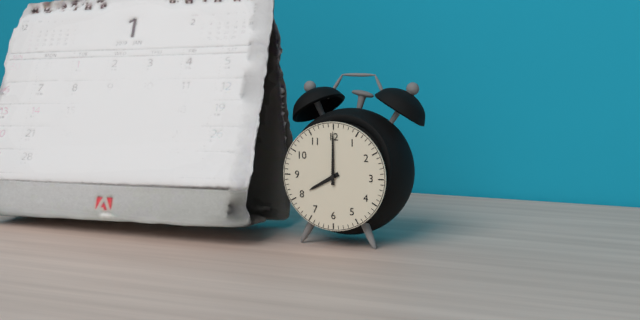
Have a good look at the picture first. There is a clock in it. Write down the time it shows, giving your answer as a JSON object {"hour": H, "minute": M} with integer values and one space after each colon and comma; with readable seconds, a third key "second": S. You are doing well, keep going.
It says {"hour": 8, "minute": 0}
